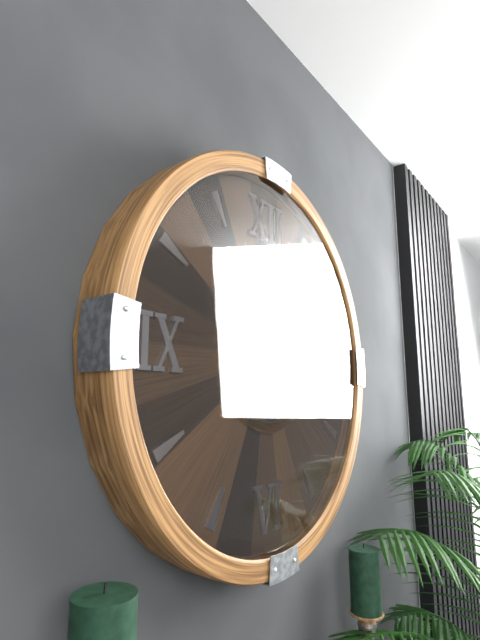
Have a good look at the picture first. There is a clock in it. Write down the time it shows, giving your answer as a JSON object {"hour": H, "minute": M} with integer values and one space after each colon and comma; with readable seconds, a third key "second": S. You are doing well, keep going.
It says {"hour": 1, "minute": 2}
